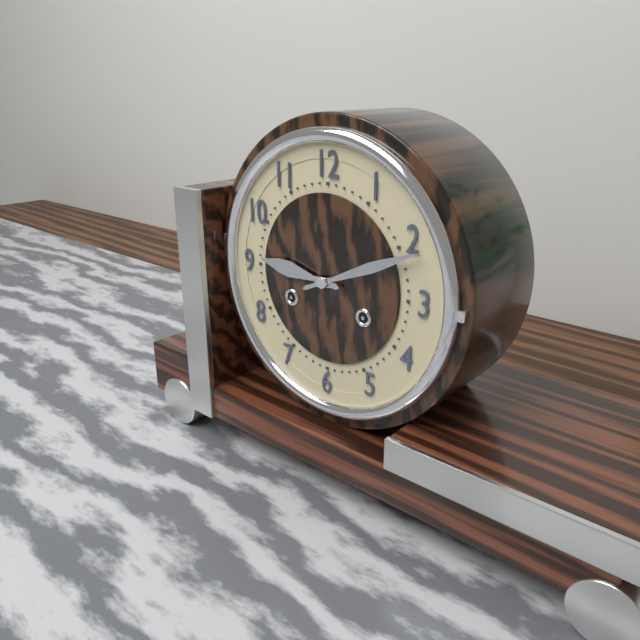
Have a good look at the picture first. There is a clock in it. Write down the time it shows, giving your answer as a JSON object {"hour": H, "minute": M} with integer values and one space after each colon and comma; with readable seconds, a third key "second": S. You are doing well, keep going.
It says {"hour": 9, "minute": 11}
